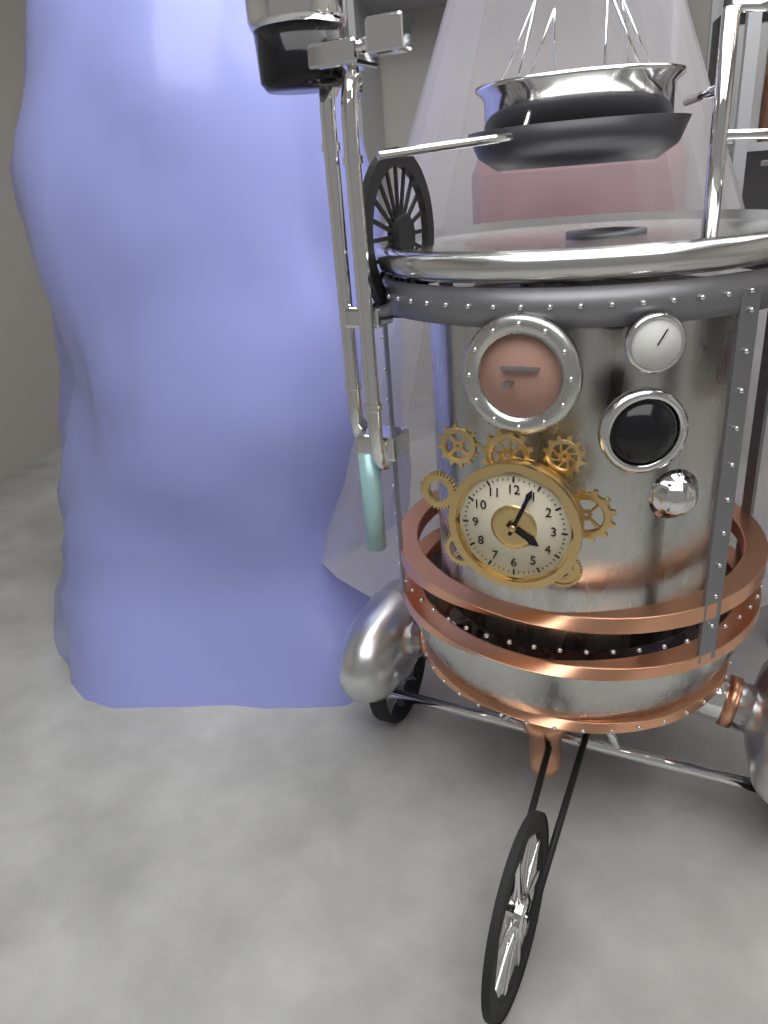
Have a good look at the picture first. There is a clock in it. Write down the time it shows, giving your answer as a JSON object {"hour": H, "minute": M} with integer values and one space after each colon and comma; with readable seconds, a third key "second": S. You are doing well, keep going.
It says {"hour": 4, "minute": 4}
